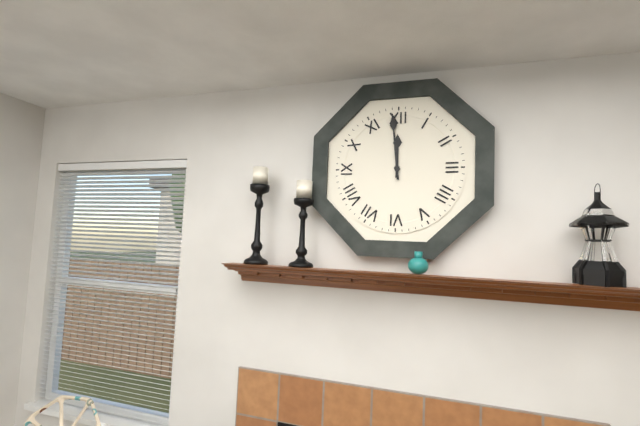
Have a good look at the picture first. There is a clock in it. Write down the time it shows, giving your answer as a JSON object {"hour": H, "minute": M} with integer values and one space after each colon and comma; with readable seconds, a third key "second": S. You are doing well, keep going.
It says {"hour": 11, "minute": 59}
